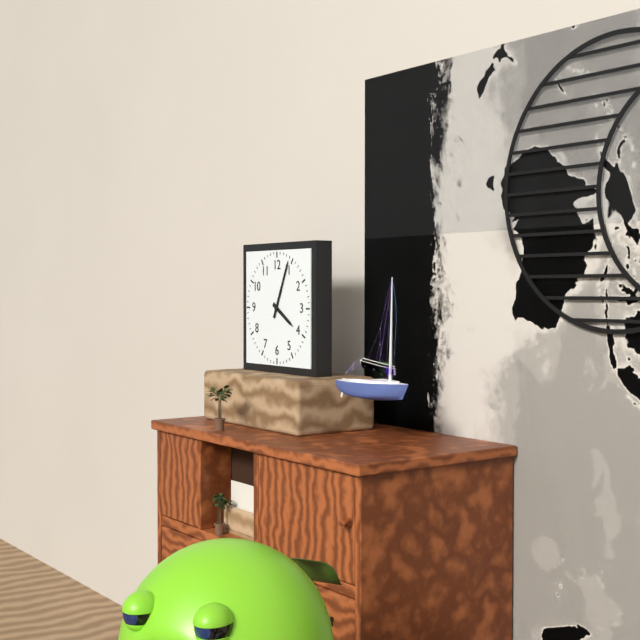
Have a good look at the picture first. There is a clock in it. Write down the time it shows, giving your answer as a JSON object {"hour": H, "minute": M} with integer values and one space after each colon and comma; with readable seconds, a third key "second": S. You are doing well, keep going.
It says {"hour": 4, "minute": 4}
